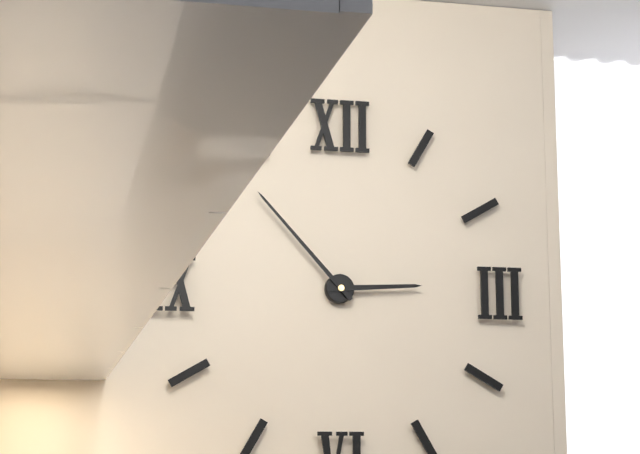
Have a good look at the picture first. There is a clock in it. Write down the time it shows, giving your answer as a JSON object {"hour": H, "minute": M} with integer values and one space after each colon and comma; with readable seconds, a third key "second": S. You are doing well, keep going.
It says {"hour": 2, "minute": 53}
